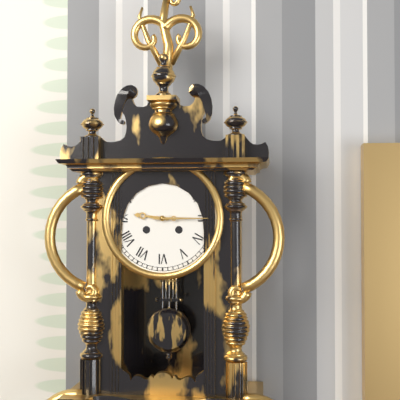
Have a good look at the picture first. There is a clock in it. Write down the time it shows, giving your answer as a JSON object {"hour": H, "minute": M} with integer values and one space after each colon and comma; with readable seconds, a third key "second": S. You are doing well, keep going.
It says {"hour": 9, "minute": 15}
